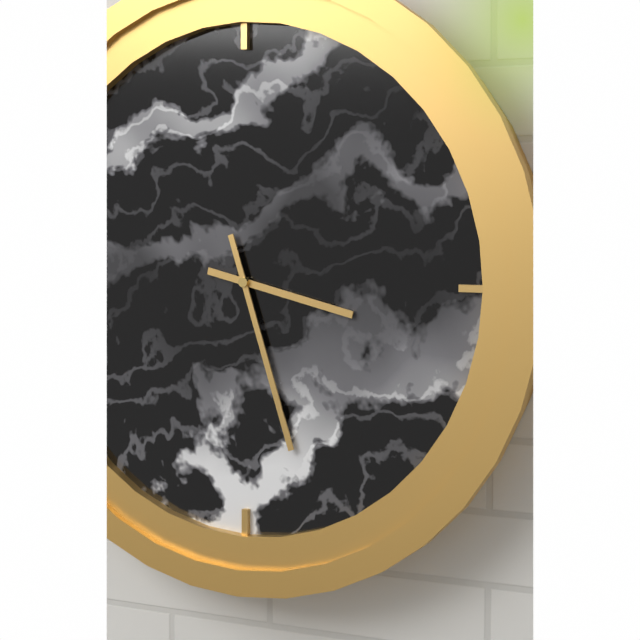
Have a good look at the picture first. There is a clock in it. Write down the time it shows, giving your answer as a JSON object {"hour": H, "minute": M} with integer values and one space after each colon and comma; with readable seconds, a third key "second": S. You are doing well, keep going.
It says {"hour": 3, "minute": 27}
